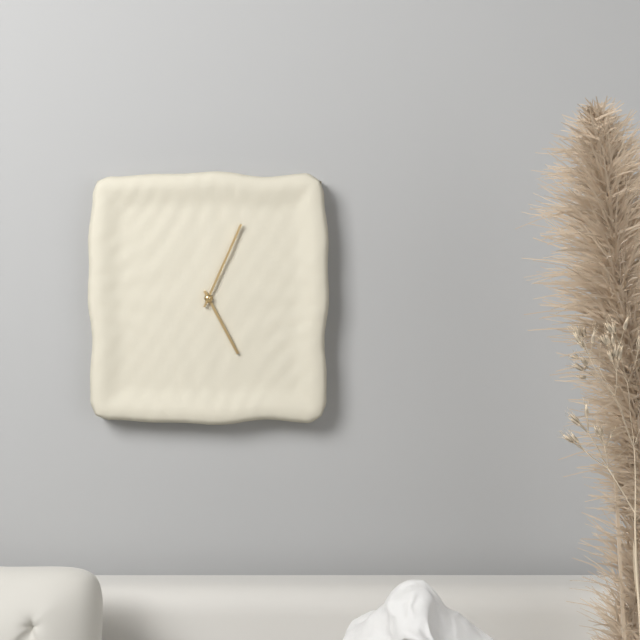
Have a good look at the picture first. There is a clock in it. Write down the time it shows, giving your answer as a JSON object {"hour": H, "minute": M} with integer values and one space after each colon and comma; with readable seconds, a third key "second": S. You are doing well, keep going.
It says {"hour": 5, "minute": 4}
